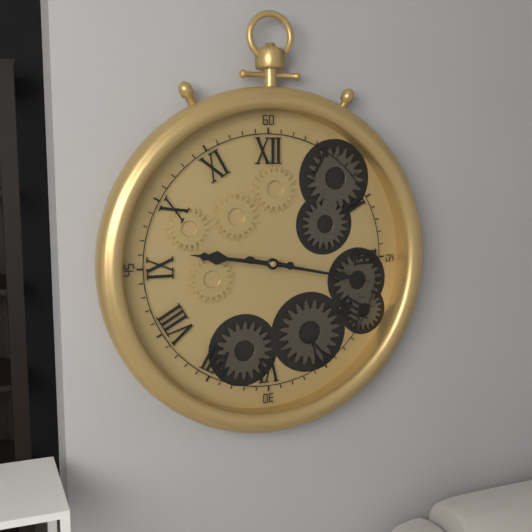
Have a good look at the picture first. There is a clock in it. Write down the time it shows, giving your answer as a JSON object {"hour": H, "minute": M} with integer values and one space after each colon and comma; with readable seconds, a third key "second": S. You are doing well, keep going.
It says {"hour": 9, "minute": 17}
